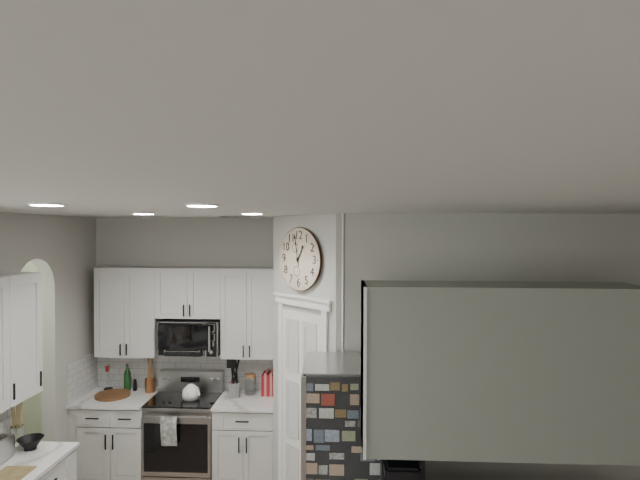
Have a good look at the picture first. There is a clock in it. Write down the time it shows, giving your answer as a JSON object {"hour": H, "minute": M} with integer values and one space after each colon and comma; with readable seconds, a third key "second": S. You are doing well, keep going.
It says {"hour": 12, "minute": 58}
